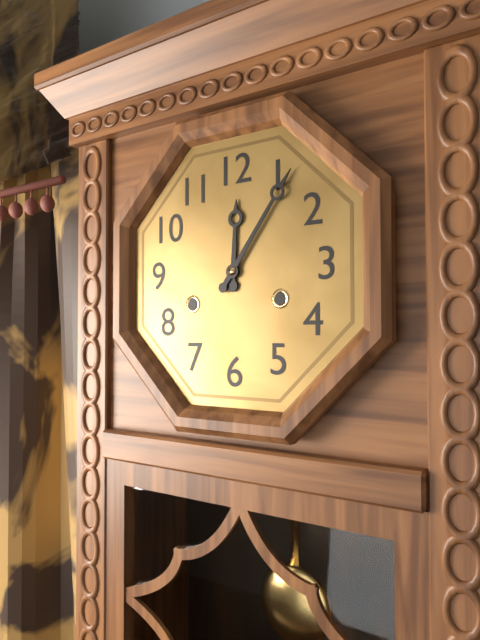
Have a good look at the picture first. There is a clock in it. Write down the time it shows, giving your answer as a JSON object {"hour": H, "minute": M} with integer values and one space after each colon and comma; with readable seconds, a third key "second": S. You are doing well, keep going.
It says {"hour": 12, "minute": 6}
